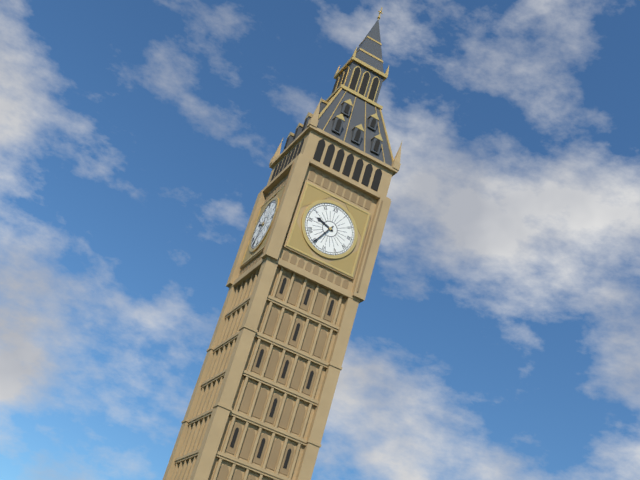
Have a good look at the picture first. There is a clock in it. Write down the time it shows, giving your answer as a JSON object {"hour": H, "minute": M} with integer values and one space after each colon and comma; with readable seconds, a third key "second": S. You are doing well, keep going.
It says {"hour": 9, "minute": 35}
